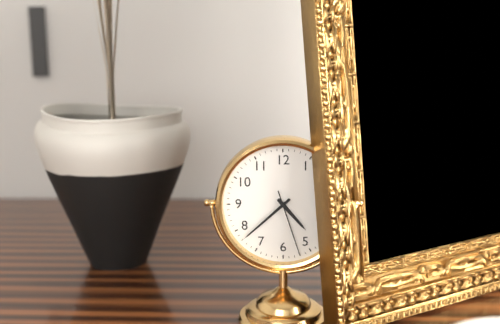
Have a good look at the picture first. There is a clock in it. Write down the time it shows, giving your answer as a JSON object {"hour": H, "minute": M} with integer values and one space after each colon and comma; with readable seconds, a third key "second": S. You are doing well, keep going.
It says {"hour": 4, "minute": 38, "second": 27}
